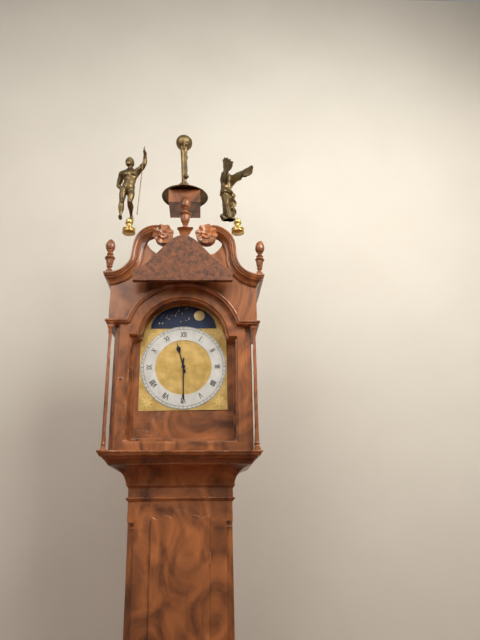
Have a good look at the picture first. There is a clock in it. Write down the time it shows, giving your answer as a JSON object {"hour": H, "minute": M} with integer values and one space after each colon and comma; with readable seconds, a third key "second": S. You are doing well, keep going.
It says {"hour": 11, "minute": 30}
